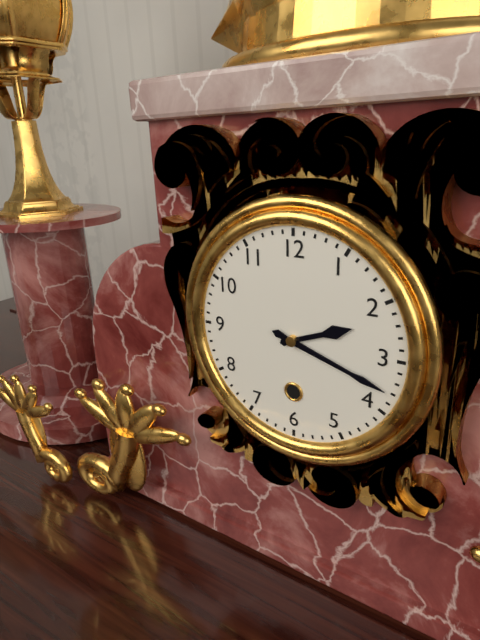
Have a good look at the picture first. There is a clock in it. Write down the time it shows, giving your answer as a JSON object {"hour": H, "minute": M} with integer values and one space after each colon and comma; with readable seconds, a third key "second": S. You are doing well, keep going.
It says {"hour": 2, "minute": 18}
